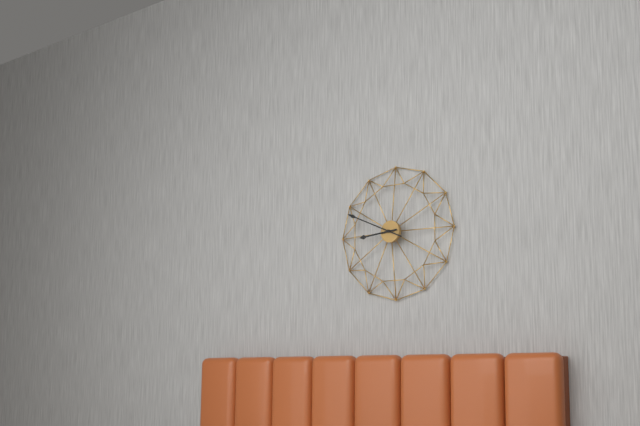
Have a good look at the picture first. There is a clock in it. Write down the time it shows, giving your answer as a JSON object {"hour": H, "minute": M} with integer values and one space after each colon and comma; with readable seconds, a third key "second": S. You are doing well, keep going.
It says {"hour": 8, "minute": 49}
